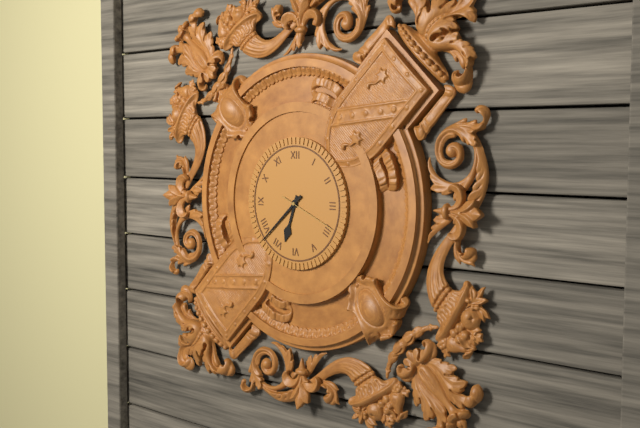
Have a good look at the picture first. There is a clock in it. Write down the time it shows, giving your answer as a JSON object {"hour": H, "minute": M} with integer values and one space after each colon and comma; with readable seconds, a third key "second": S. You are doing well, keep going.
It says {"hour": 6, "minute": 38, "second": 19}
